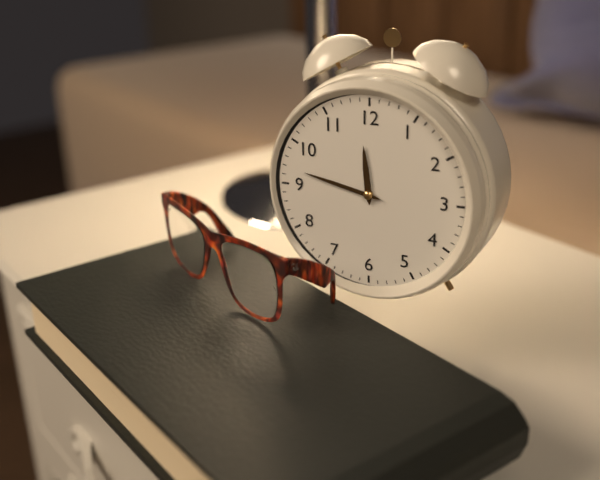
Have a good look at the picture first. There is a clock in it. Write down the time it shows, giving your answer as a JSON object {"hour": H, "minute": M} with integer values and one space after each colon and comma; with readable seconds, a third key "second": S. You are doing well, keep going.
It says {"hour": 11, "minute": 47}
